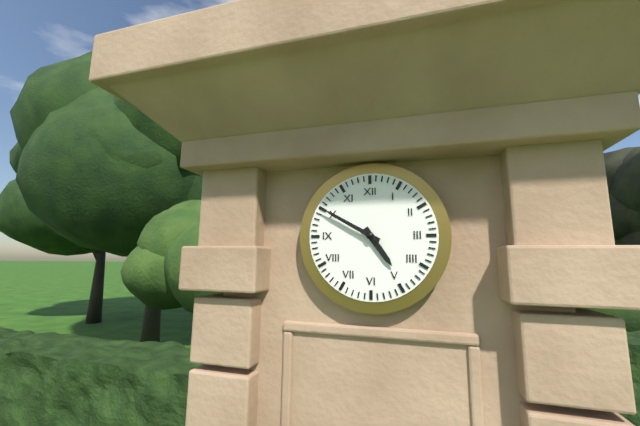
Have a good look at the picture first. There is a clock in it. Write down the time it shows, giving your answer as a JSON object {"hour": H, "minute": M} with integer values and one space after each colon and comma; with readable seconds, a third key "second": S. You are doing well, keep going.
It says {"hour": 4, "minute": 50}
